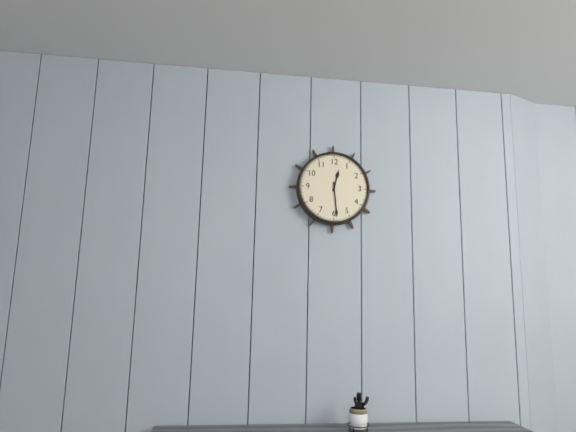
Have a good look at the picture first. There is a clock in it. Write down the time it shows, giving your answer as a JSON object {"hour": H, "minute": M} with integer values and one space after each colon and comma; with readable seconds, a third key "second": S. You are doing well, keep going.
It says {"hour": 12, "minute": 29}
